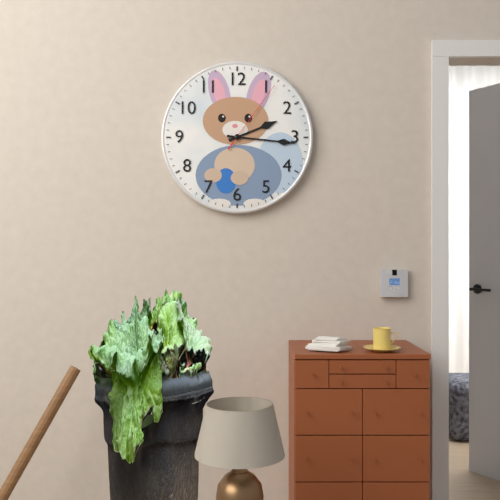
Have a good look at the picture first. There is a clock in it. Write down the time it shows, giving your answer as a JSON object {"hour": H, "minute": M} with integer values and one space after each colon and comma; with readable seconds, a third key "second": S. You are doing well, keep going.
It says {"hour": 2, "minute": 16, "second": 6}
